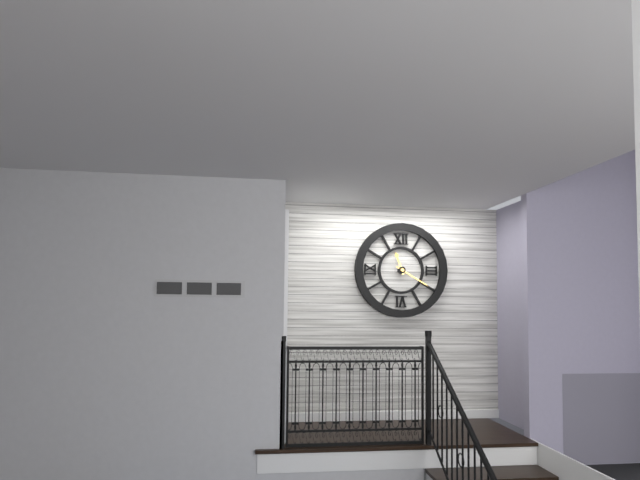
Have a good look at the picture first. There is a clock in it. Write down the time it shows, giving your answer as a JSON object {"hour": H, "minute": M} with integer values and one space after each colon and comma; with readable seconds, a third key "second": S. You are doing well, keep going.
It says {"hour": 11, "minute": 20}
